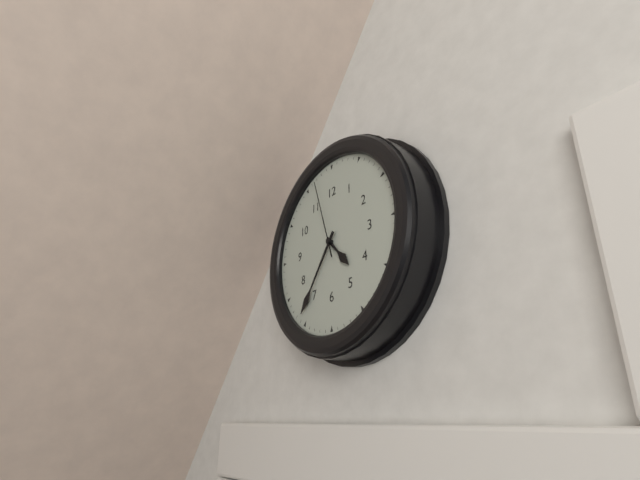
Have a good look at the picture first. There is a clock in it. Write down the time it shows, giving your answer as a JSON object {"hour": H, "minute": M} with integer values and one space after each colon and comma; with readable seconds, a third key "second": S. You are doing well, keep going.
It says {"hour": 4, "minute": 36, "second": 57}
